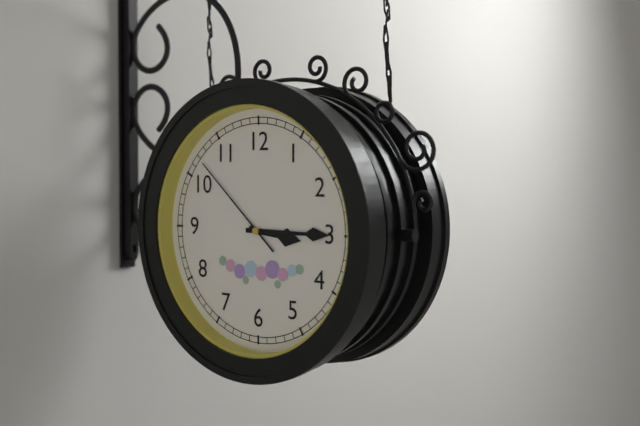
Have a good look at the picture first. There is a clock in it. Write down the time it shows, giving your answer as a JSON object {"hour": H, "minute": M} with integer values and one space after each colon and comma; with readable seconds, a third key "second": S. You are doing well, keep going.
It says {"hour": 3, "minute": 15, "second": 52}
